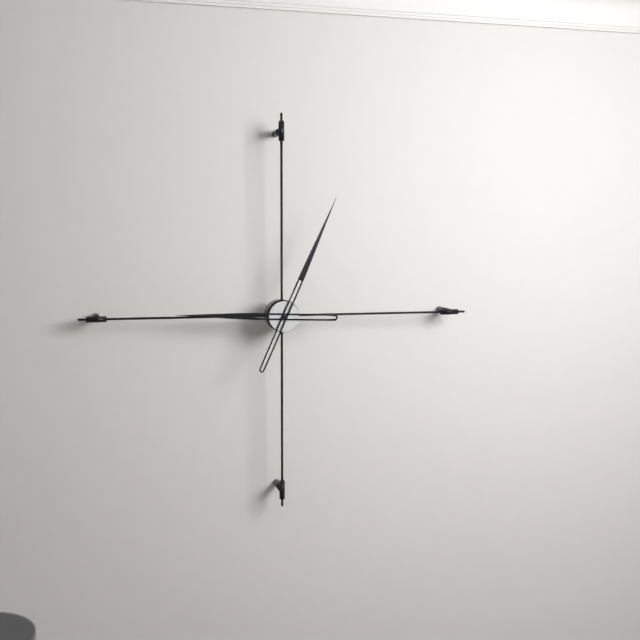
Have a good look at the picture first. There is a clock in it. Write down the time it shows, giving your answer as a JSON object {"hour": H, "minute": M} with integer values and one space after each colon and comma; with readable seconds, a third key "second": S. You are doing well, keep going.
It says {"hour": 9, "minute": 4}
